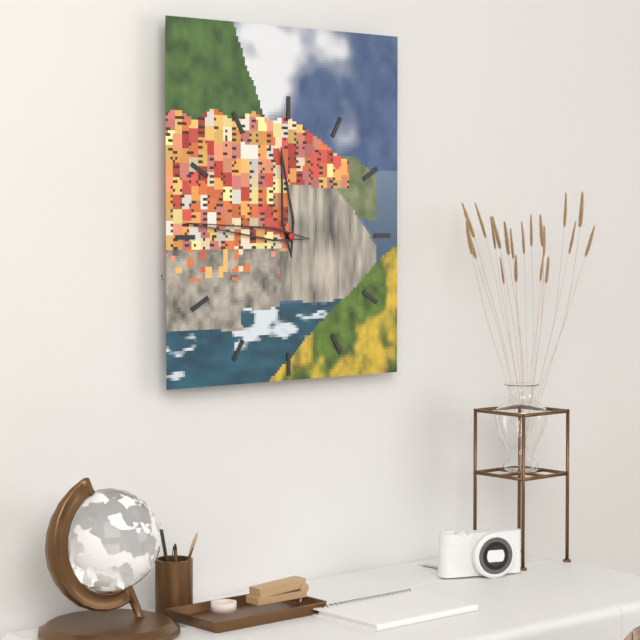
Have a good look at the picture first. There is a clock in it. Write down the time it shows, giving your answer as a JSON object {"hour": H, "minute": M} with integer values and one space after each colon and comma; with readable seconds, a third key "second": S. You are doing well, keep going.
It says {"hour": 11, "minute": 46}
